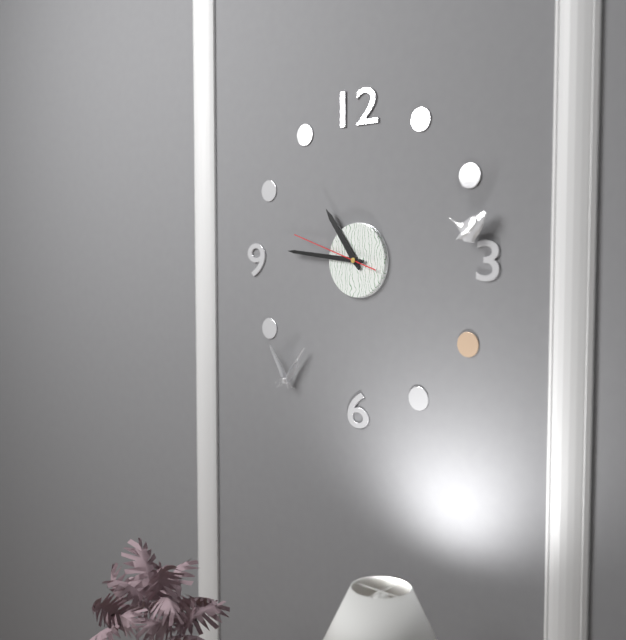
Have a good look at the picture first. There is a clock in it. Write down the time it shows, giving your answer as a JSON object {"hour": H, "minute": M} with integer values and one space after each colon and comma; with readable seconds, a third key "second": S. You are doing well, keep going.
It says {"hour": 10, "minute": 46, "second": 48}
